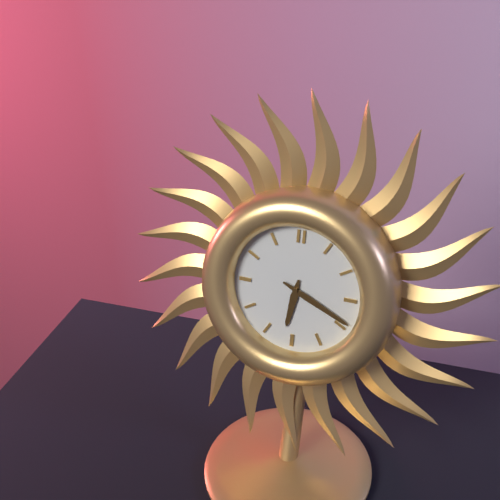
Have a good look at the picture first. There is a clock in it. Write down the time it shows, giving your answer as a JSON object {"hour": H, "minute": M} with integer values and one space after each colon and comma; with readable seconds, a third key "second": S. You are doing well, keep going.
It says {"hour": 6, "minute": 19}
